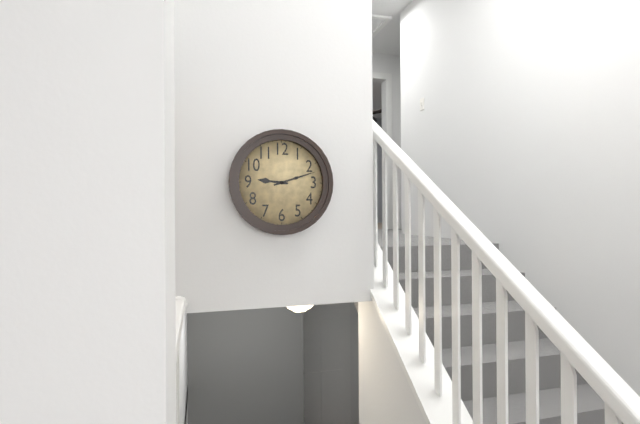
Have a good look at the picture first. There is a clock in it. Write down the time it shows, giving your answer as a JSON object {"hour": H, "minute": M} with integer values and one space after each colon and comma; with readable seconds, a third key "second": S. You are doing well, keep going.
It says {"hour": 9, "minute": 12}
